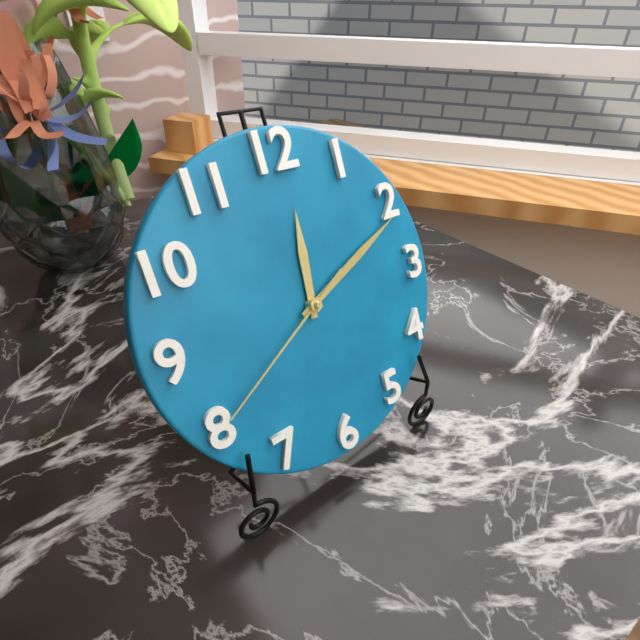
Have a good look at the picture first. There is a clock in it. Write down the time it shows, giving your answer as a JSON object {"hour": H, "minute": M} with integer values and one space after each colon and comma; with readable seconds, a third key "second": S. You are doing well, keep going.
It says {"hour": 12, "minute": 11, "second": 40}
